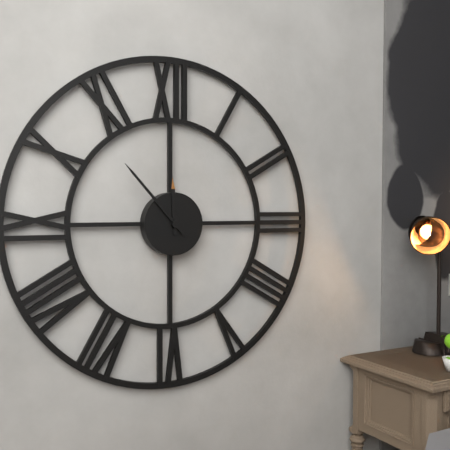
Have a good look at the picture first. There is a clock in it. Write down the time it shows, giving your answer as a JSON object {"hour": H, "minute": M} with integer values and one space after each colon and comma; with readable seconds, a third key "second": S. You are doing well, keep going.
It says {"hour": 11, "minute": 53}
